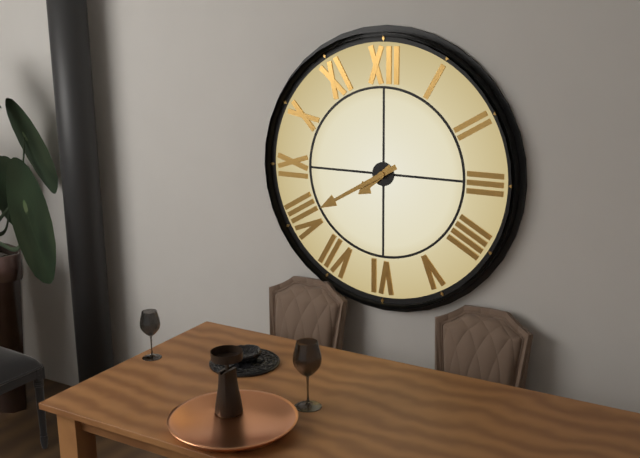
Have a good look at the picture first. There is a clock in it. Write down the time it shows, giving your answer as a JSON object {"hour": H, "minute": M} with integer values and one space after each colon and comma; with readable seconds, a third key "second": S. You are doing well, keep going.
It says {"hour": 7, "minute": 40}
